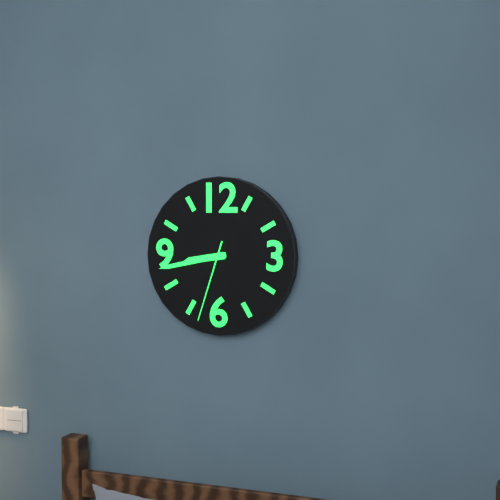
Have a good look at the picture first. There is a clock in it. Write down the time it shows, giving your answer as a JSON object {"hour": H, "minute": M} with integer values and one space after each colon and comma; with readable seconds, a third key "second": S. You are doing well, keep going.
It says {"hour": 8, "minute": 43, "second": 33}
